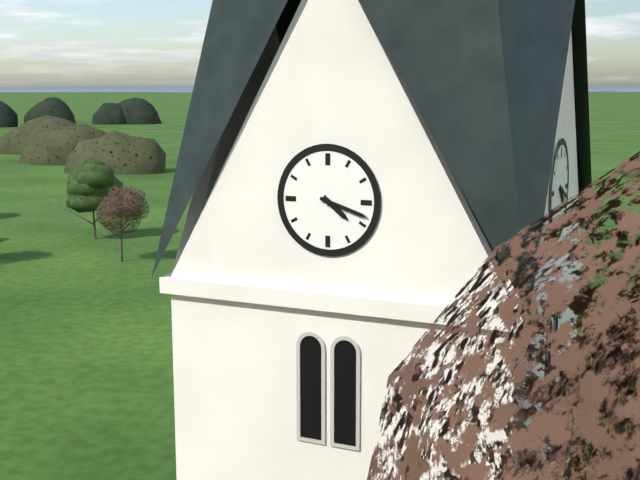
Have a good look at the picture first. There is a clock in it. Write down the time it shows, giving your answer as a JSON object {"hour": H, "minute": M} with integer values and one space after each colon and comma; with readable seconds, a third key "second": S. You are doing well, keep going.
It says {"hour": 4, "minute": 18}
